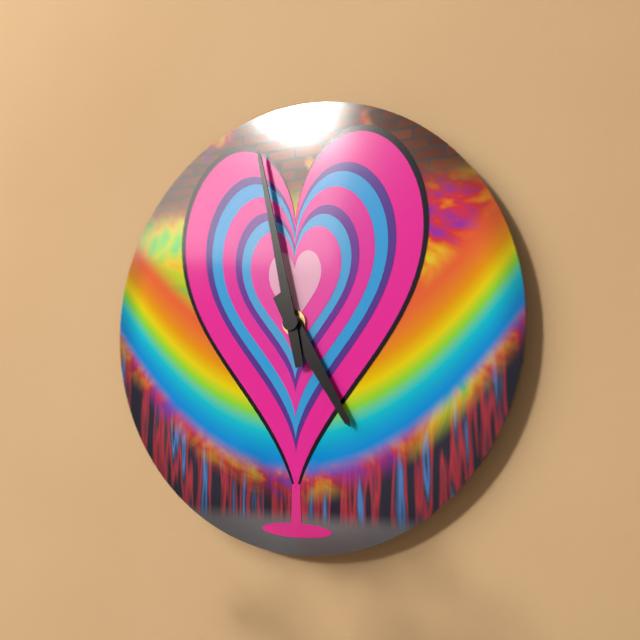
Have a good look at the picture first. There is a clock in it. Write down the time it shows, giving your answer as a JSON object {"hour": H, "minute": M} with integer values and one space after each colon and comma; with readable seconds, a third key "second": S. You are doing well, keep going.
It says {"hour": 4, "minute": 58}
